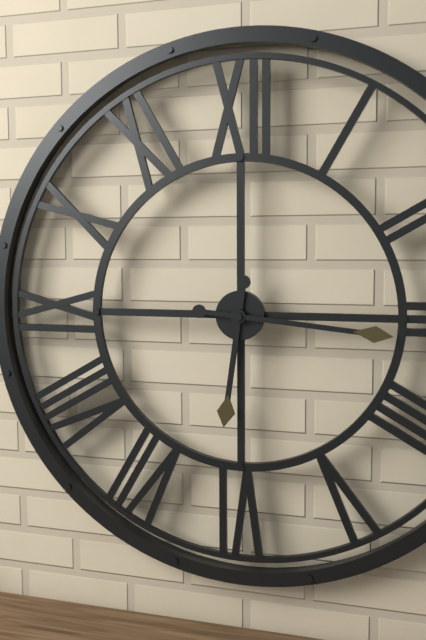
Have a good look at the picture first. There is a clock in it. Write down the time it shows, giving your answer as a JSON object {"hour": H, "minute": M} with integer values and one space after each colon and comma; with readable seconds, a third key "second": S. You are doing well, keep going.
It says {"hour": 6, "minute": 16}
